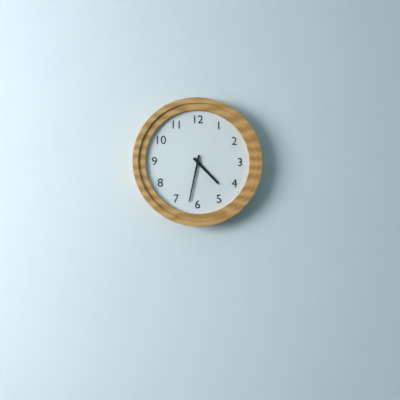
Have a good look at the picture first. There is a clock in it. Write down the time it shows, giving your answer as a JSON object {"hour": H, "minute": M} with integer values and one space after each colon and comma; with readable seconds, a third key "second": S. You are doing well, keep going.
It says {"hour": 4, "minute": 32}
